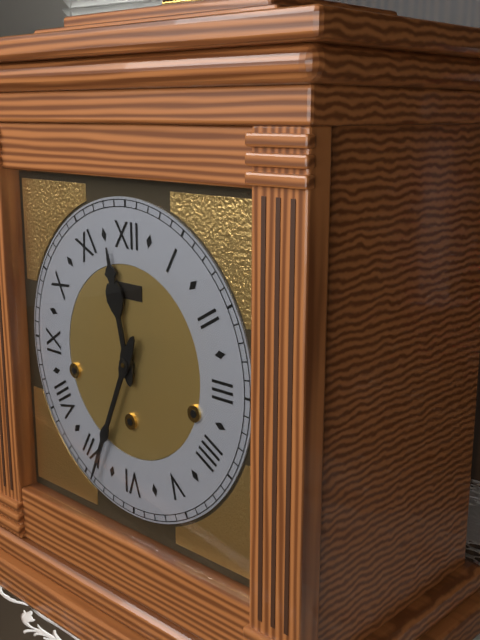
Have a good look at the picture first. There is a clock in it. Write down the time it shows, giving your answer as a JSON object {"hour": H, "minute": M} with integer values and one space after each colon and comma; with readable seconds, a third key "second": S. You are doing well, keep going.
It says {"hour": 11, "minute": 34}
